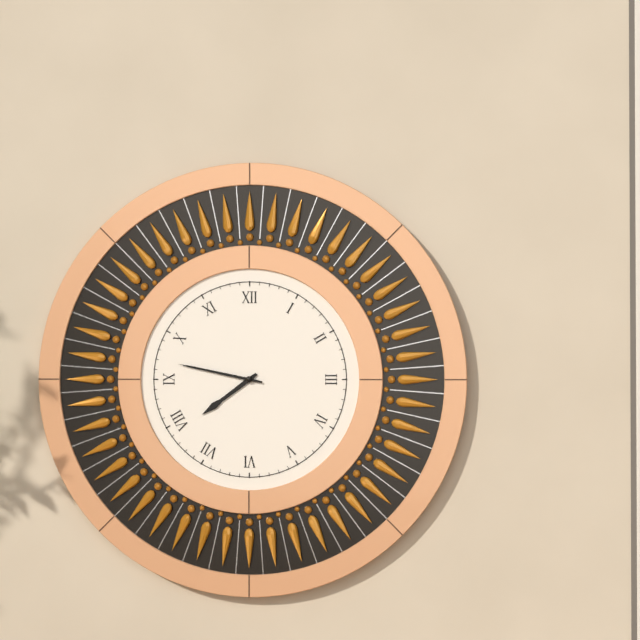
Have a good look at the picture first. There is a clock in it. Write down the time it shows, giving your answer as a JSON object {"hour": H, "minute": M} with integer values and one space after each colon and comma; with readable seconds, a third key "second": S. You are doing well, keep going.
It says {"hour": 7, "minute": 47}
